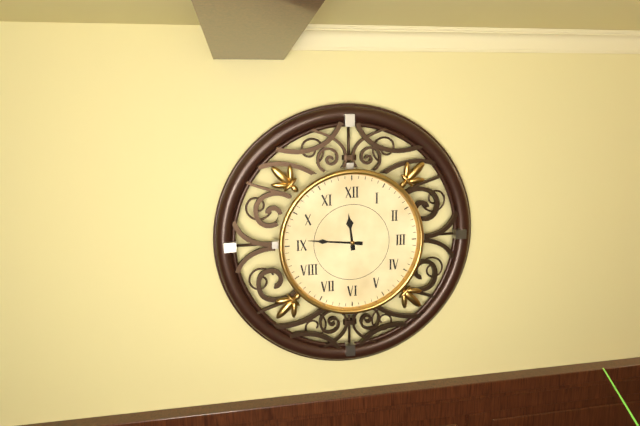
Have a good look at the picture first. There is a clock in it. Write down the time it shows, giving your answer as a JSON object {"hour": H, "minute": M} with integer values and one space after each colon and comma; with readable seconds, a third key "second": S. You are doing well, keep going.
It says {"hour": 11, "minute": 46}
